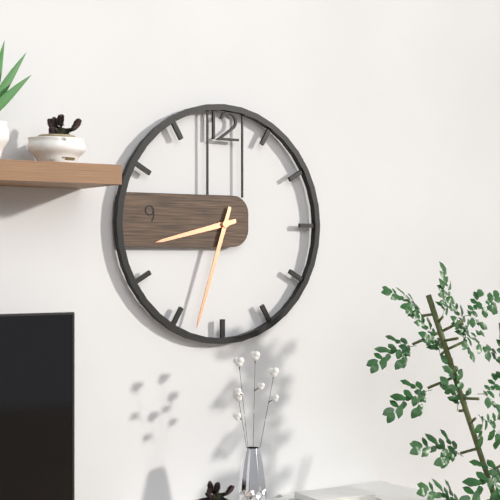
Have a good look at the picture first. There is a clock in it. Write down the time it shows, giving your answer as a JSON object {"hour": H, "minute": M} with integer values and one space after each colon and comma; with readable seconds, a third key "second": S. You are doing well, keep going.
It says {"hour": 8, "minute": 33}
